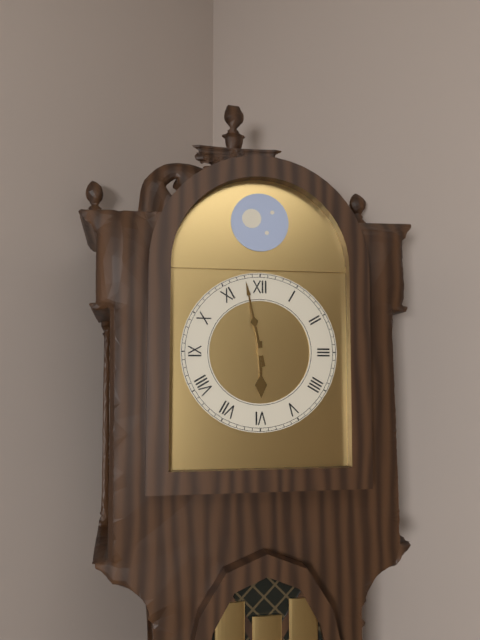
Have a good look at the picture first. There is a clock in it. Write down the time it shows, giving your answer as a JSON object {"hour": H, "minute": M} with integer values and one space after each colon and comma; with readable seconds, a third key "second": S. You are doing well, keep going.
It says {"hour": 5, "minute": 58}
